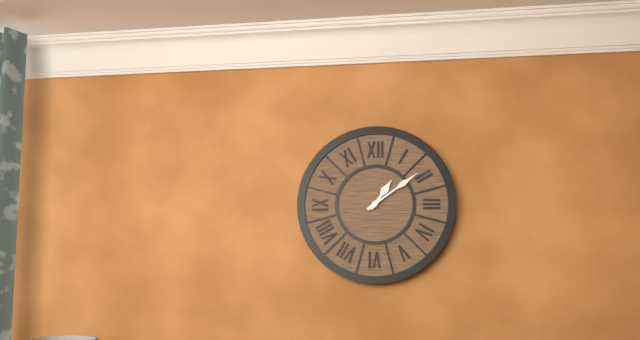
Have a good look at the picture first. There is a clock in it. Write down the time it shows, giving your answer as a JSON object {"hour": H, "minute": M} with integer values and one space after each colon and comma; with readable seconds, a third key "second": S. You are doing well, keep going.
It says {"hour": 1, "minute": 9}
